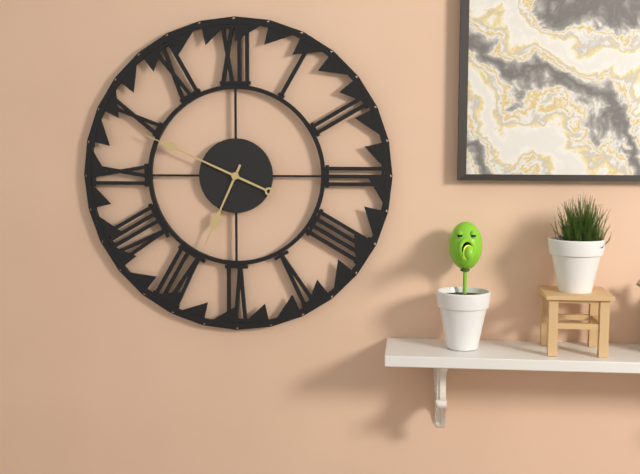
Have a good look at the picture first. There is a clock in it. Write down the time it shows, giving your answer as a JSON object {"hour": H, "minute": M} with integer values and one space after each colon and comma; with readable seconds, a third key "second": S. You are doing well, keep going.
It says {"hour": 6, "minute": 49}
